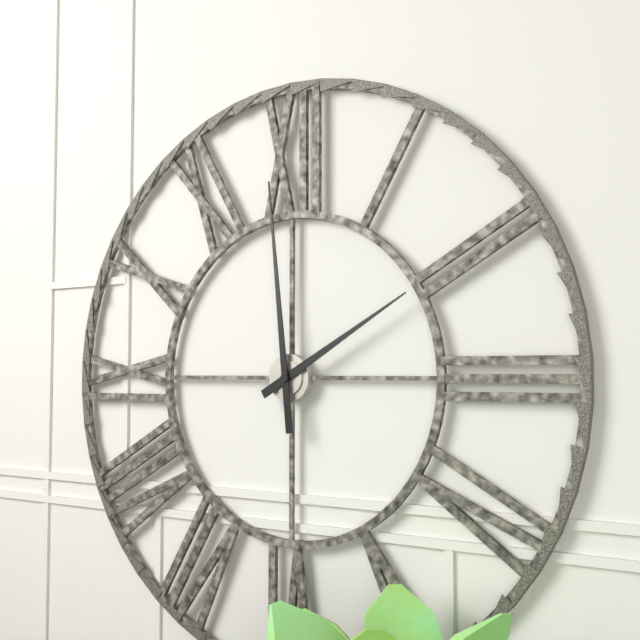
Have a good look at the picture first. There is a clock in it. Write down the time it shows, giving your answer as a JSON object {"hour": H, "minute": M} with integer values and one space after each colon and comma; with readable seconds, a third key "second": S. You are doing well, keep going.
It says {"hour": 1, "minute": 59}
